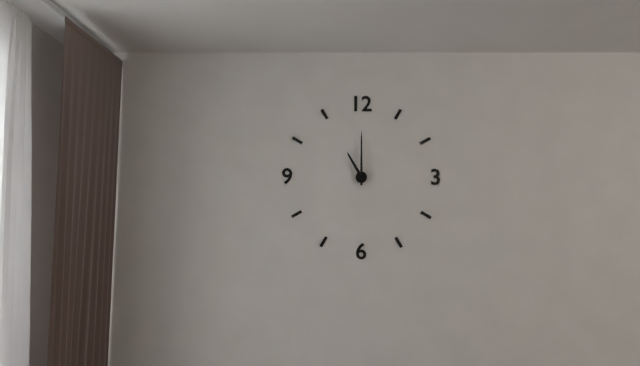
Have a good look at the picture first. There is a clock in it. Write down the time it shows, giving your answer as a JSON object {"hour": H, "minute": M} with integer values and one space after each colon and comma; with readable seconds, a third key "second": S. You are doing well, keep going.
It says {"hour": 11, "minute": 0}
